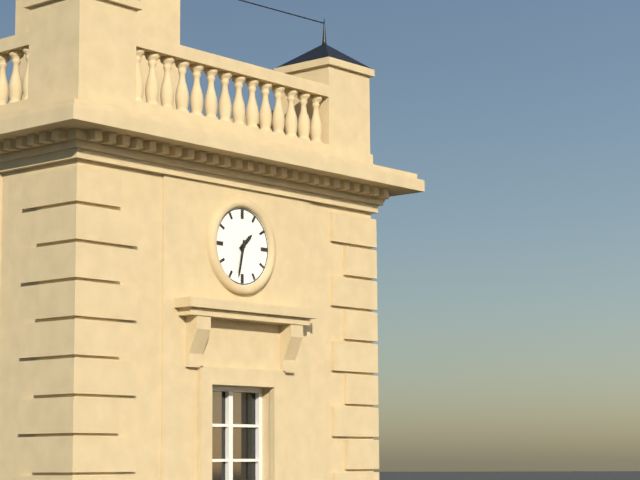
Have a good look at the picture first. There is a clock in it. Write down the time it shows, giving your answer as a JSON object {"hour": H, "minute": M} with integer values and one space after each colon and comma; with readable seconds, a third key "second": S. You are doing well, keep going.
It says {"hour": 1, "minute": 32}
